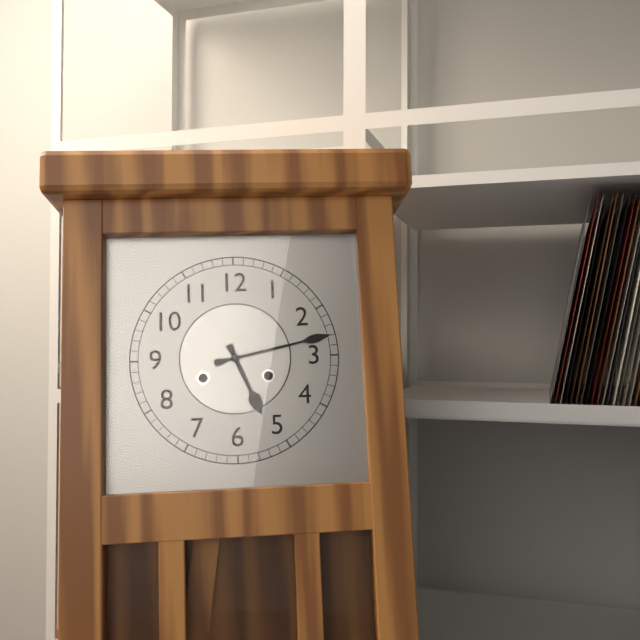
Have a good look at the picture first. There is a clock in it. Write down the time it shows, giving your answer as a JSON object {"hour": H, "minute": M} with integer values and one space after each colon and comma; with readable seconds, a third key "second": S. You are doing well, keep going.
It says {"hour": 5, "minute": 13}
